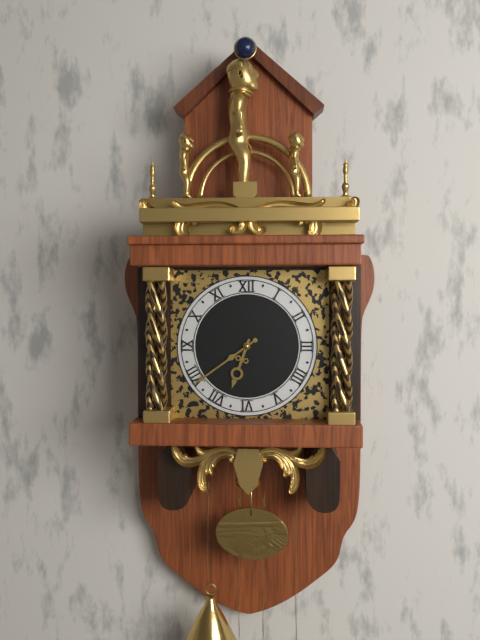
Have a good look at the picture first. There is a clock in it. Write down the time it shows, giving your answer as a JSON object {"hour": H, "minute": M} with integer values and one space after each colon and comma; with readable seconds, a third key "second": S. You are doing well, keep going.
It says {"hour": 6, "minute": 39}
